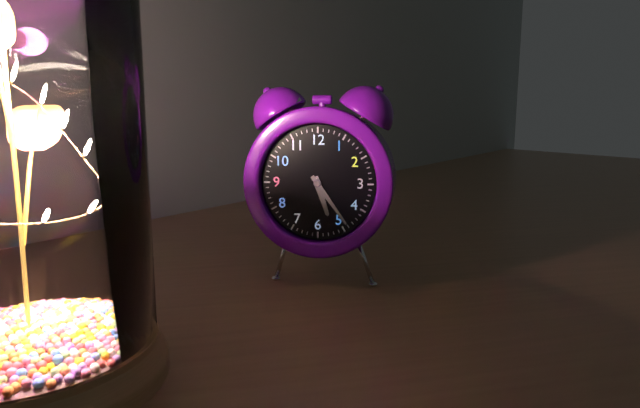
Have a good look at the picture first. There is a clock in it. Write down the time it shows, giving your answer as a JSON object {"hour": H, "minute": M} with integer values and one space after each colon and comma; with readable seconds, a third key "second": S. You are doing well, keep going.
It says {"hour": 5, "minute": 24}
